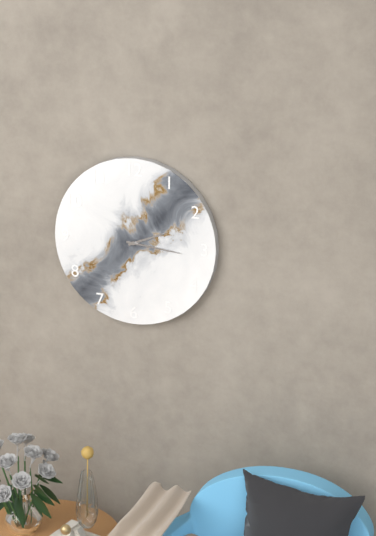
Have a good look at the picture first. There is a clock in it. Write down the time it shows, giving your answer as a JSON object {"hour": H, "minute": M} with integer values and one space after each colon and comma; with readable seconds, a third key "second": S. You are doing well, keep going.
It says {"hour": 2, "minute": 16}
